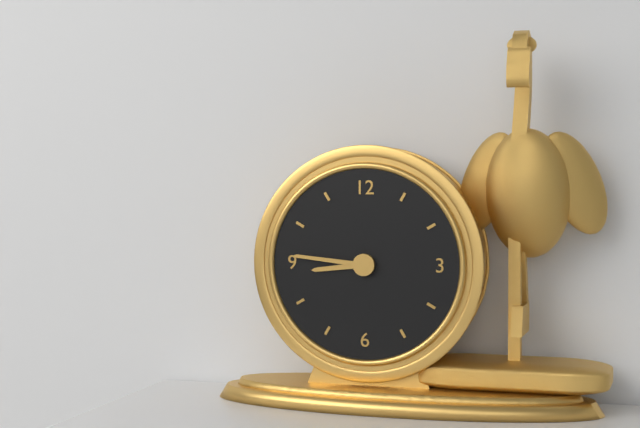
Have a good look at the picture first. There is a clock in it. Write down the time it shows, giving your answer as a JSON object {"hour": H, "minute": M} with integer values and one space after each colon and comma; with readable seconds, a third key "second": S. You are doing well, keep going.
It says {"hour": 8, "minute": 46}
